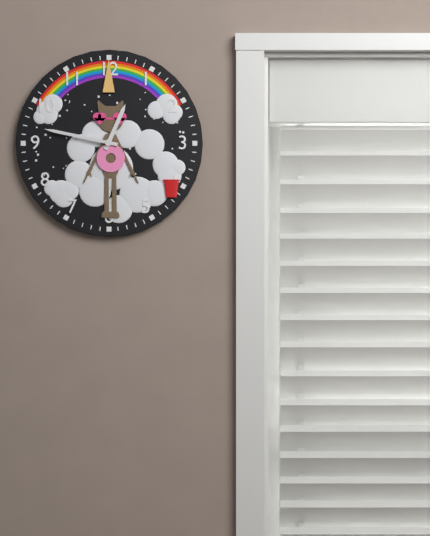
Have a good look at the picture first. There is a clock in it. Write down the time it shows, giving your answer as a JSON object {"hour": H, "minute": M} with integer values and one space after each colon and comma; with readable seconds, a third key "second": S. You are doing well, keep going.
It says {"hour": 12, "minute": 47}
